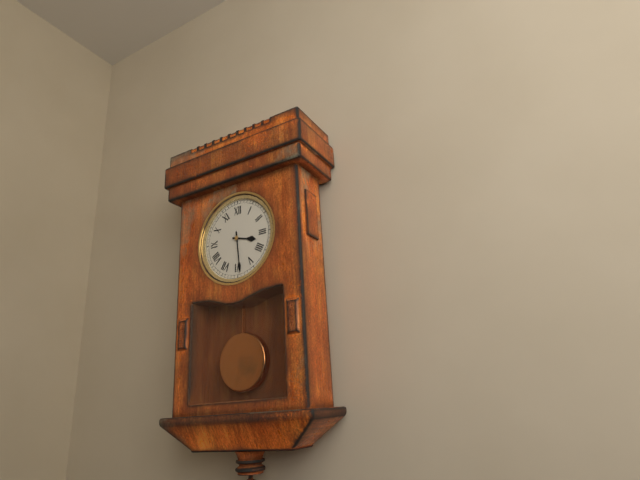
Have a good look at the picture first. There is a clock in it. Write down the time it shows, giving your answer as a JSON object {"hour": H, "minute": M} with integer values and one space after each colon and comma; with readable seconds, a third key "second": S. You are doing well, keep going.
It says {"hour": 3, "minute": 29}
